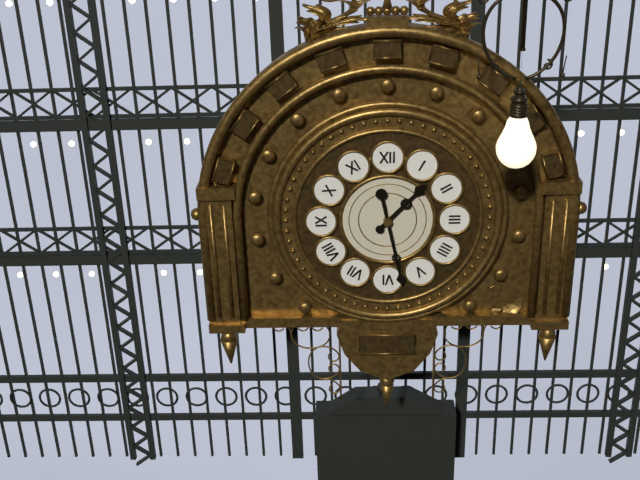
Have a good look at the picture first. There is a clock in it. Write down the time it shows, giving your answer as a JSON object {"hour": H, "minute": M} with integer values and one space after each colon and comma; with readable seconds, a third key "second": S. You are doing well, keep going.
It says {"hour": 1, "minute": 28}
